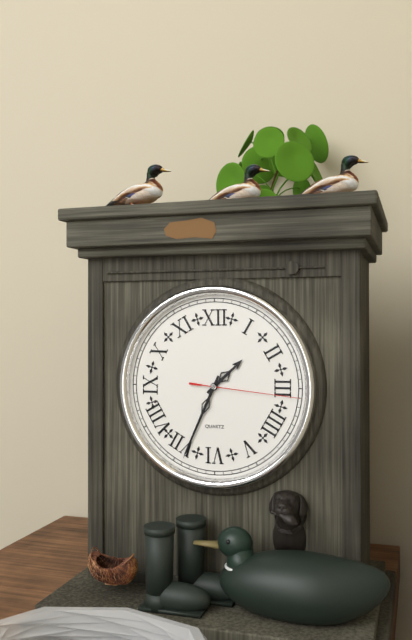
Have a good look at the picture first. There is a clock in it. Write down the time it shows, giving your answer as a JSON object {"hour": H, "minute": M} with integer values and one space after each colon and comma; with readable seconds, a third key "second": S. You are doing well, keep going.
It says {"hour": 1, "minute": 34, "second": 16}
